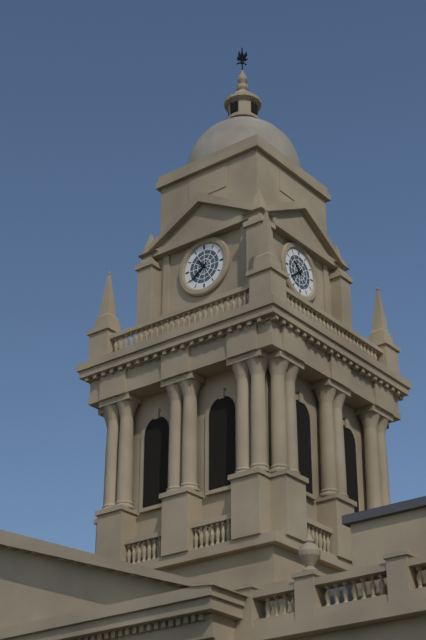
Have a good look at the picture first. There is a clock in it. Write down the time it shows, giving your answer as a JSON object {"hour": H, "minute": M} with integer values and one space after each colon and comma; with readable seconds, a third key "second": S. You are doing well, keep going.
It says {"hour": 10, "minute": 39}
